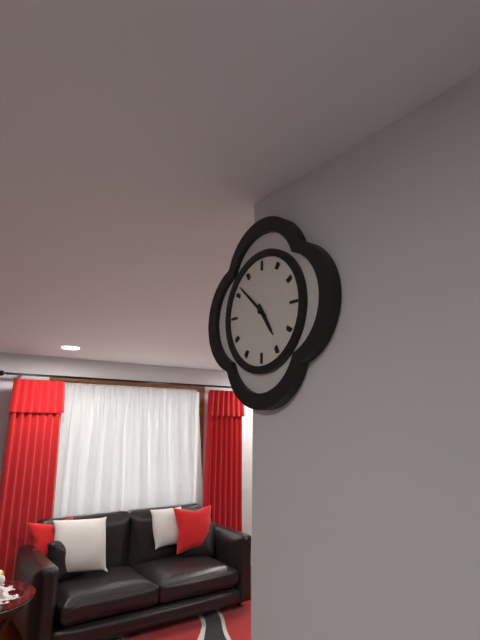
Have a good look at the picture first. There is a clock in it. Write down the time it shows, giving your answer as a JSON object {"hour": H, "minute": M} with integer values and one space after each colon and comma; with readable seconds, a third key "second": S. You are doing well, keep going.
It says {"hour": 4, "minute": 52}
